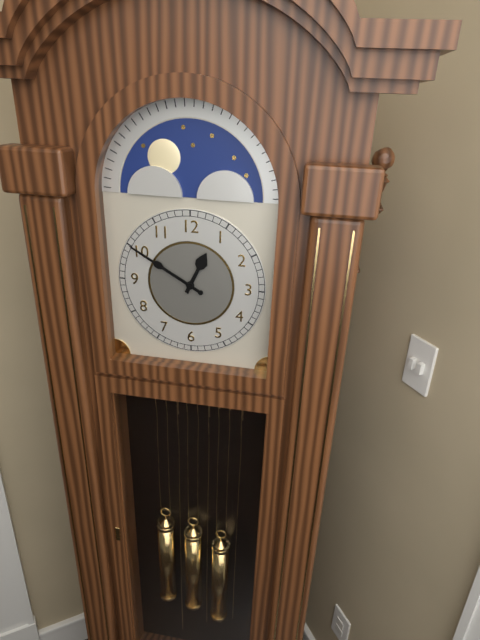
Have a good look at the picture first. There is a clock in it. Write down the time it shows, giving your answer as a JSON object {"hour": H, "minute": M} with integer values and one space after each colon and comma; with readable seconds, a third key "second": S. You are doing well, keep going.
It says {"hour": 12, "minute": 50}
